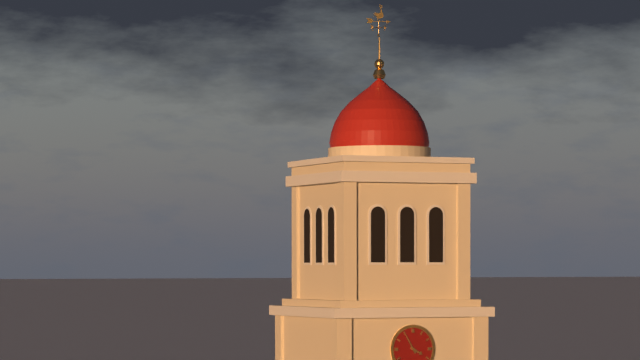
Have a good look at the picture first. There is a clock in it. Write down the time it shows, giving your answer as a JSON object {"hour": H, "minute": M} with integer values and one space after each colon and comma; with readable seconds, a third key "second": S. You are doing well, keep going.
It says {"hour": 3, "minute": 55}
